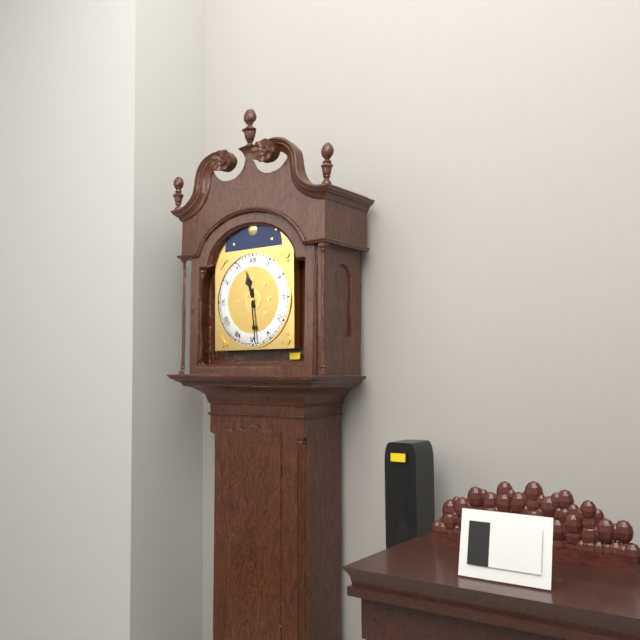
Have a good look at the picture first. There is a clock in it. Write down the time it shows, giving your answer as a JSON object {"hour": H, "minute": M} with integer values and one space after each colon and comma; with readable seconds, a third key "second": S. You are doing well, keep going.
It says {"hour": 11, "minute": 29}
